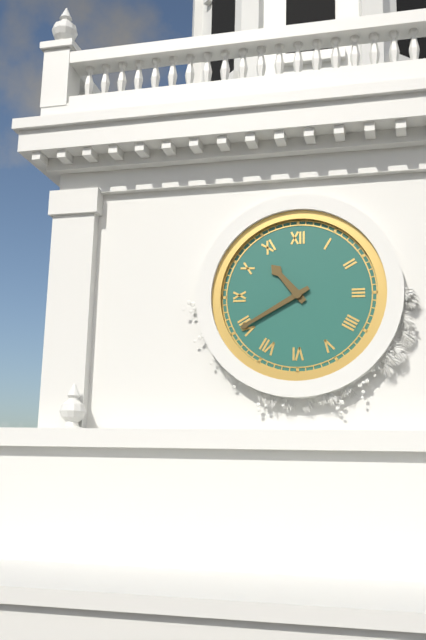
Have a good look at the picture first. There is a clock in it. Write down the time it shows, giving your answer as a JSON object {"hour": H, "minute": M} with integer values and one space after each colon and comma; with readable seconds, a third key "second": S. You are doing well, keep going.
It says {"hour": 10, "minute": 40}
